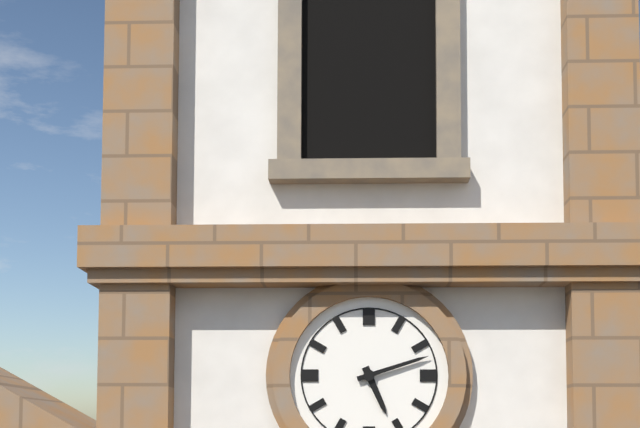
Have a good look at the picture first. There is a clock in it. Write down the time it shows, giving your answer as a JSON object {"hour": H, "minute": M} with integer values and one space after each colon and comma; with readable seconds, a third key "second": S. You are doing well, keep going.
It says {"hour": 5, "minute": 12}
